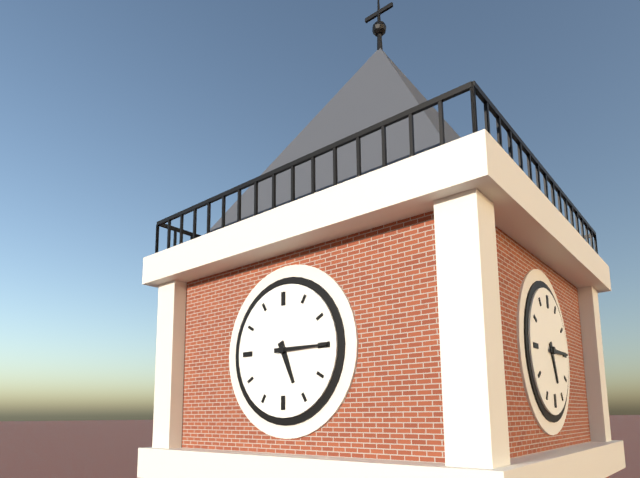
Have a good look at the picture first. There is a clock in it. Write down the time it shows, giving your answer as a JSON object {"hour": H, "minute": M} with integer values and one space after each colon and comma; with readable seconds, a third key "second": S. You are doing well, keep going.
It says {"hour": 5, "minute": 15}
